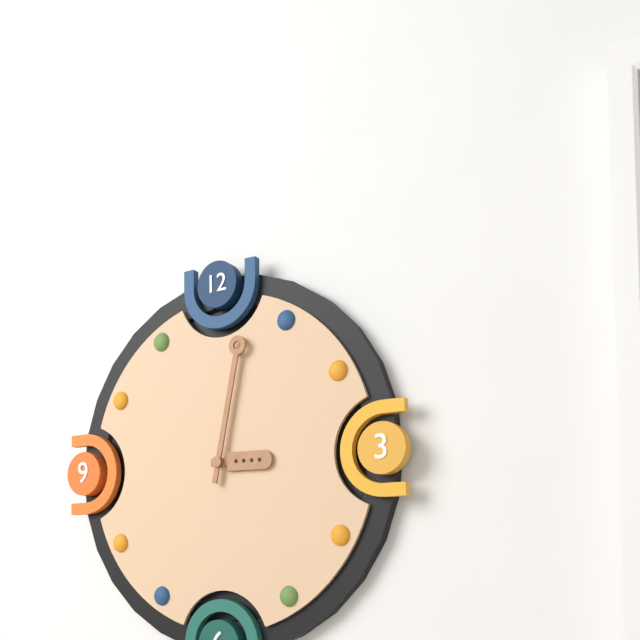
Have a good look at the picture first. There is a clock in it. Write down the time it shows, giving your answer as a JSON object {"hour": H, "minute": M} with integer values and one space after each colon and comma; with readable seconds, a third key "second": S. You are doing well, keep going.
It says {"hour": 3, "minute": 2}
